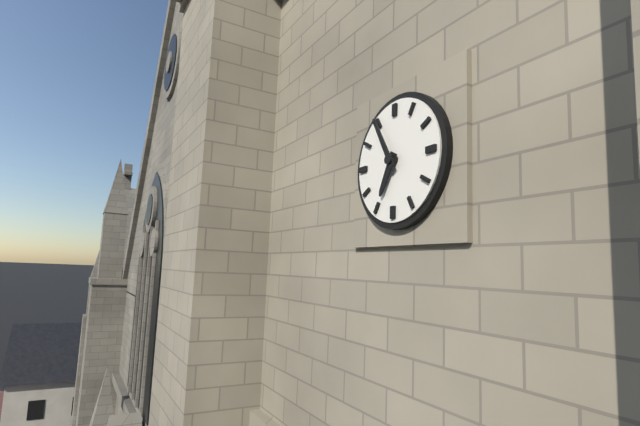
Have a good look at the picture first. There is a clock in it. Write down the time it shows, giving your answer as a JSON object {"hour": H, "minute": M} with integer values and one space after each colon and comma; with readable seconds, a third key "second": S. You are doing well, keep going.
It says {"hour": 6, "minute": 55}
